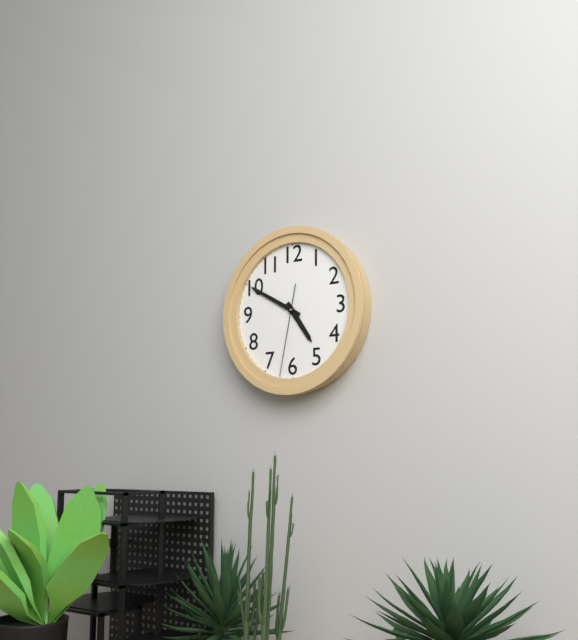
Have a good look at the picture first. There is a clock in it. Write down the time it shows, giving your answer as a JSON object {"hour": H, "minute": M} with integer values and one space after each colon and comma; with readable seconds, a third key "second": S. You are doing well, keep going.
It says {"hour": 4, "minute": 50, "second": 32}
